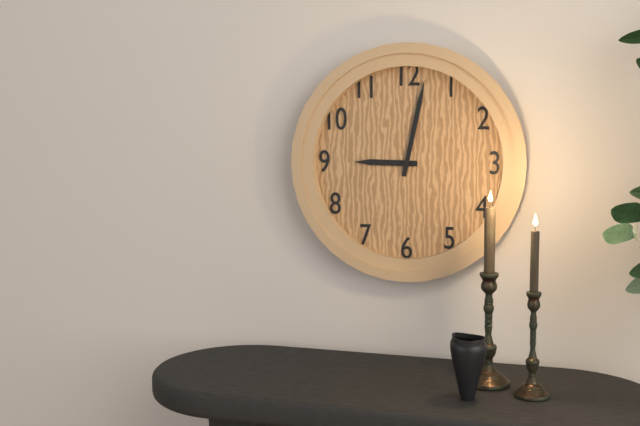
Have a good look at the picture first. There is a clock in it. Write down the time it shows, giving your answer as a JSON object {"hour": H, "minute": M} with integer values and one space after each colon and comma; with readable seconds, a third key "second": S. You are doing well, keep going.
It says {"hour": 9, "minute": 2}
